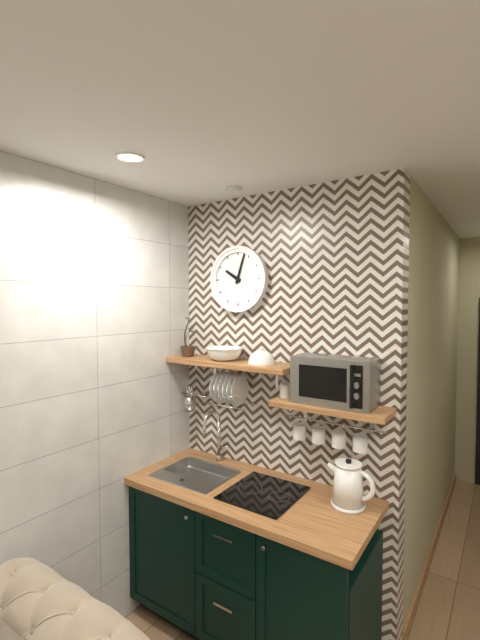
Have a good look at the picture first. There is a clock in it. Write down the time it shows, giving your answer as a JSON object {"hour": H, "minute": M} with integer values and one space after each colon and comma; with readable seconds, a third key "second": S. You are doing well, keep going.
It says {"hour": 10, "minute": 3}
